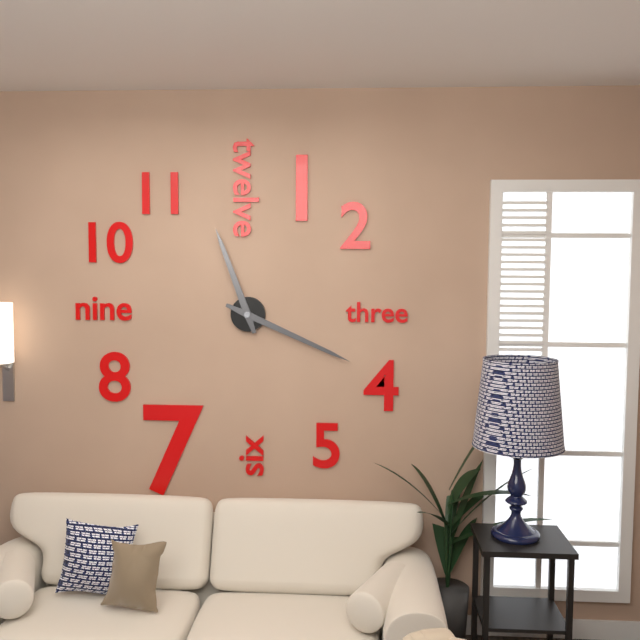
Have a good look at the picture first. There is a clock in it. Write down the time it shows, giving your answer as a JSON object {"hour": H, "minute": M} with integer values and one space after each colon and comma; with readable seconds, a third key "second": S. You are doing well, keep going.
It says {"hour": 11, "minute": 19}
